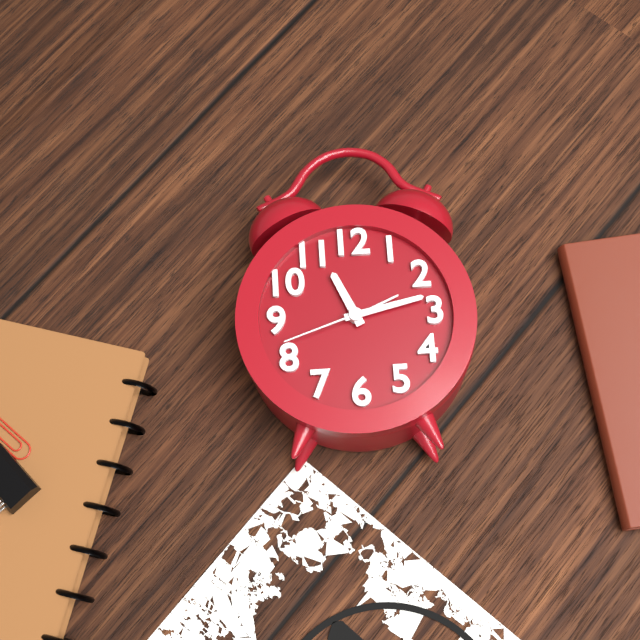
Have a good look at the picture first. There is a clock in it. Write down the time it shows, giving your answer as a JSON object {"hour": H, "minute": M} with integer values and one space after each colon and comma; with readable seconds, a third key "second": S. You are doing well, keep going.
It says {"hour": 11, "minute": 13, "second": 42}
